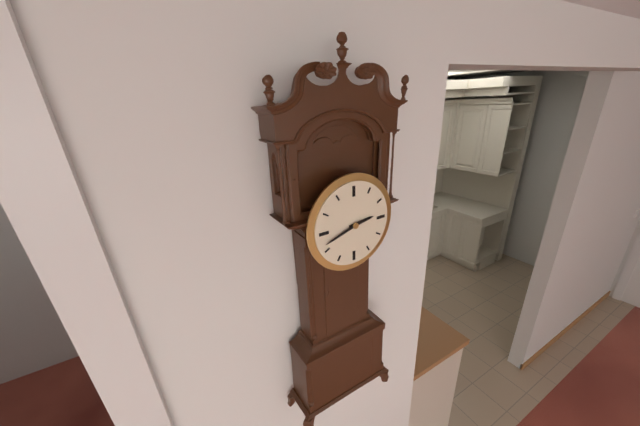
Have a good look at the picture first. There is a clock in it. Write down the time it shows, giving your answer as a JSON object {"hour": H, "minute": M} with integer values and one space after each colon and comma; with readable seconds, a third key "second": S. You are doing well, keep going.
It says {"hour": 2, "minute": 42}
